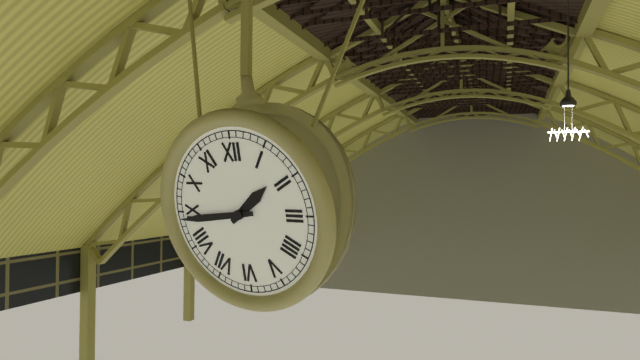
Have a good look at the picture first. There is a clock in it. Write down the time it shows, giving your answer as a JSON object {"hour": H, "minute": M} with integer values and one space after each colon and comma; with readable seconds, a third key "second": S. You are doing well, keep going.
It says {"hour": 1, "minute": 44}
